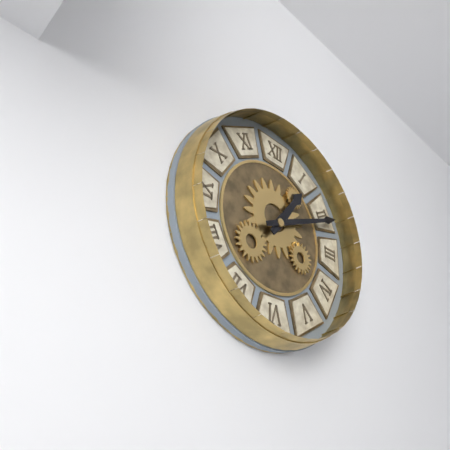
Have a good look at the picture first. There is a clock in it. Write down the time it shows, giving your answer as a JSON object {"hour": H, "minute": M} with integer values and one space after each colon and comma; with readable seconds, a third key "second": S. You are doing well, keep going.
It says {"hour": 1, "minute": 11}
